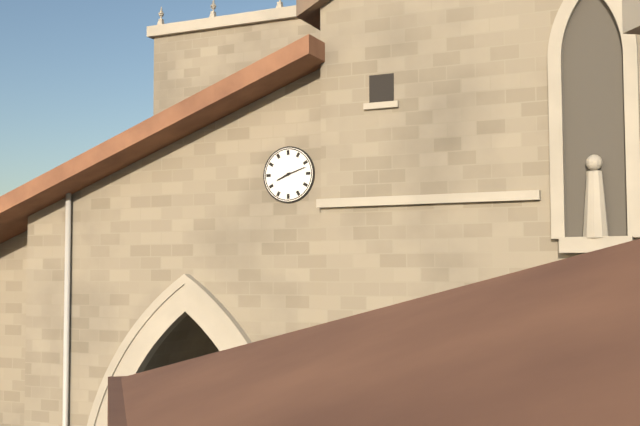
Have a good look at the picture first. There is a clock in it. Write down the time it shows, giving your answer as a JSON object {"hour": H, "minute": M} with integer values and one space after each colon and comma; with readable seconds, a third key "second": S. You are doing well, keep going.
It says {"hour": 8, "minute": 12}
